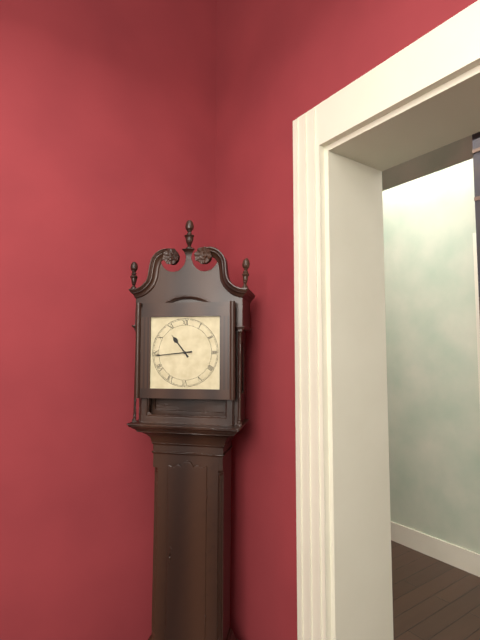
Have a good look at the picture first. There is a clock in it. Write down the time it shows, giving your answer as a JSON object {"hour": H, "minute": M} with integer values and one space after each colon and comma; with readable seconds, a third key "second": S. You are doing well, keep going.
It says {"hour": 10, "minute": 44}
